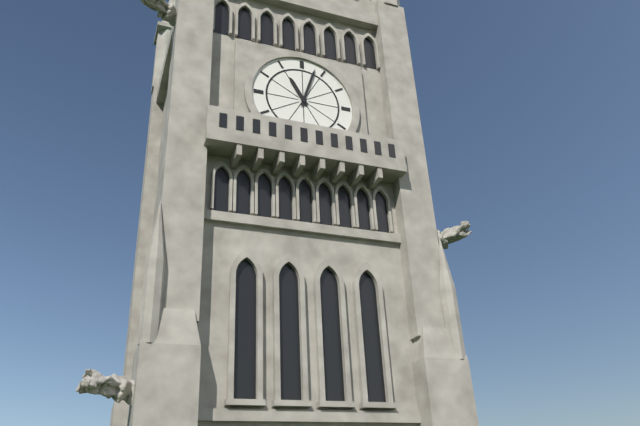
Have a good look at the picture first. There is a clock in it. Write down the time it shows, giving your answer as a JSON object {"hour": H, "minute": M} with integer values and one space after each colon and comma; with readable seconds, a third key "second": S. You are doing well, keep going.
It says {"hour": 11, "minute": 3}
